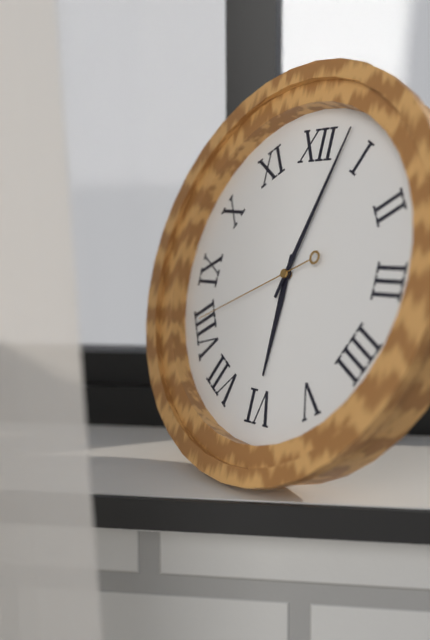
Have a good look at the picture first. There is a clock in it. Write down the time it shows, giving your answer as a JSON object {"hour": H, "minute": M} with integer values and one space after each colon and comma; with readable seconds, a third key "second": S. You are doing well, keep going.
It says {"hour": 6, "minute": 3, "second": 41}
